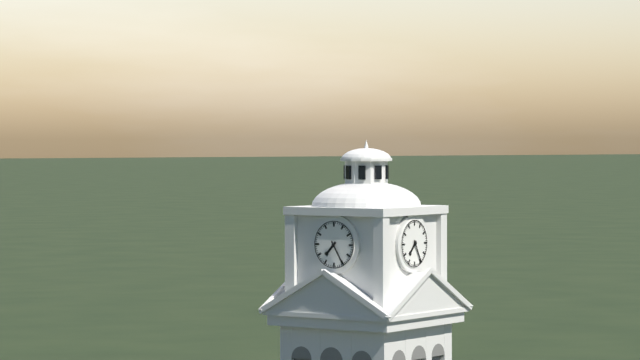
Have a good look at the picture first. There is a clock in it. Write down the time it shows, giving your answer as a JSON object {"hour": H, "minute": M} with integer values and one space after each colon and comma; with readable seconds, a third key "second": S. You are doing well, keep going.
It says {"hour": 7, "minute": 25}
